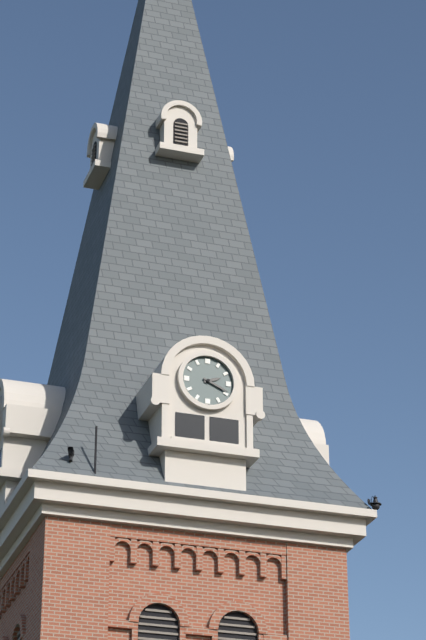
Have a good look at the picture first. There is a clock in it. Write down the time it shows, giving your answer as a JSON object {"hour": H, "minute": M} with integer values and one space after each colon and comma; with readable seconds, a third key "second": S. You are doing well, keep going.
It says {"hour": 2, "minute": 19}
